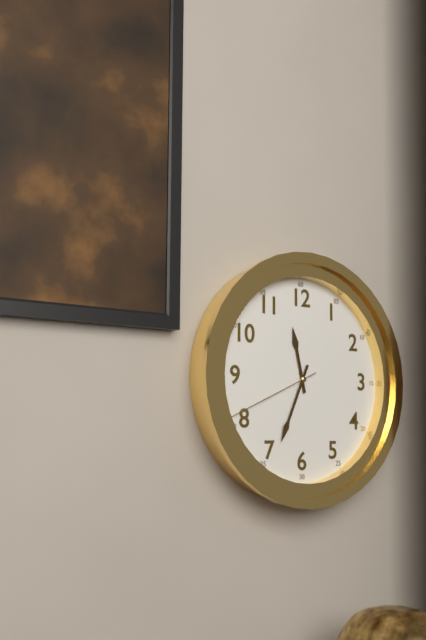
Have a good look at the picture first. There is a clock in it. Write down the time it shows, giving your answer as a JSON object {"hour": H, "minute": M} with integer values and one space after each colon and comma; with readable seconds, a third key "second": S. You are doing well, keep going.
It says {"hour": 11, "minute": 34, "second": 41}
